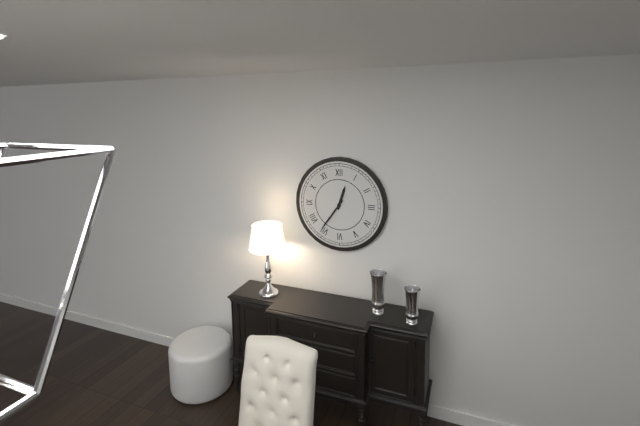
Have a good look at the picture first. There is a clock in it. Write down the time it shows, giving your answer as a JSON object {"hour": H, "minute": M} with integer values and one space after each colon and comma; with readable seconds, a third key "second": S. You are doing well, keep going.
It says {"hour": 12, "minute": 36}
